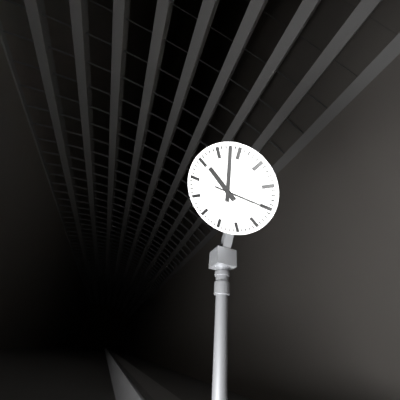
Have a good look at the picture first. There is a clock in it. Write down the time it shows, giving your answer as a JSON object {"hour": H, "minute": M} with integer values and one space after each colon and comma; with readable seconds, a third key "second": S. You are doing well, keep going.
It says {"hour": 12, "minute": 8, "second": 25}
